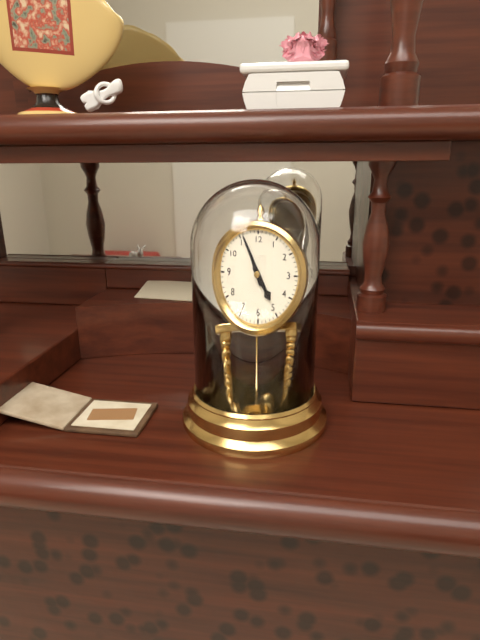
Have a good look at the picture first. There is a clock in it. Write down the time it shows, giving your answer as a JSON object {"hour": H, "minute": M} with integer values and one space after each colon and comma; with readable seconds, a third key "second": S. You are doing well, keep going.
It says {"hour": 4, "minute": 56}
